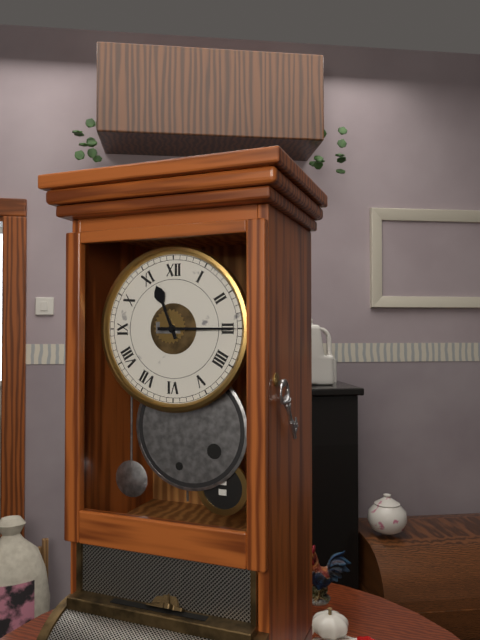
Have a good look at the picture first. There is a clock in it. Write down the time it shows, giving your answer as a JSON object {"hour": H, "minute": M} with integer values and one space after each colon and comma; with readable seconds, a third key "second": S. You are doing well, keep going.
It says {"hour": 11, "minute": 15}
